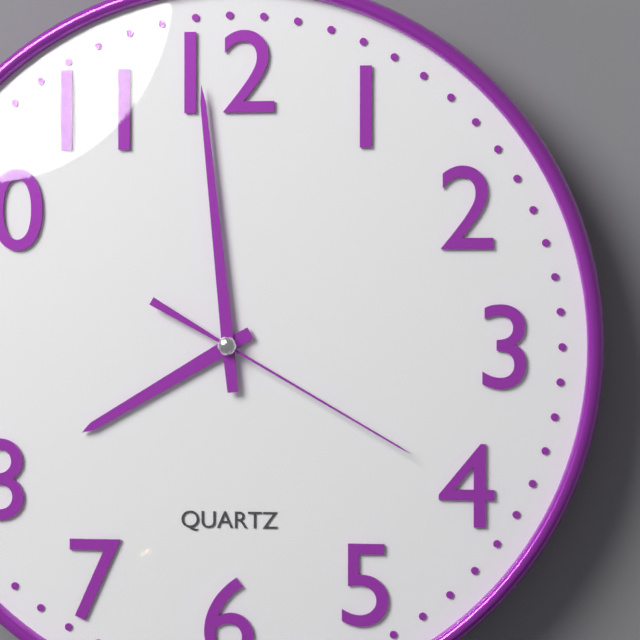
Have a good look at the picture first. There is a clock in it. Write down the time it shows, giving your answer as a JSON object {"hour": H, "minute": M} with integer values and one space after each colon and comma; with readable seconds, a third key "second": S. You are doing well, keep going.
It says {"hour": 7, "minute": 59, "second": 20}
